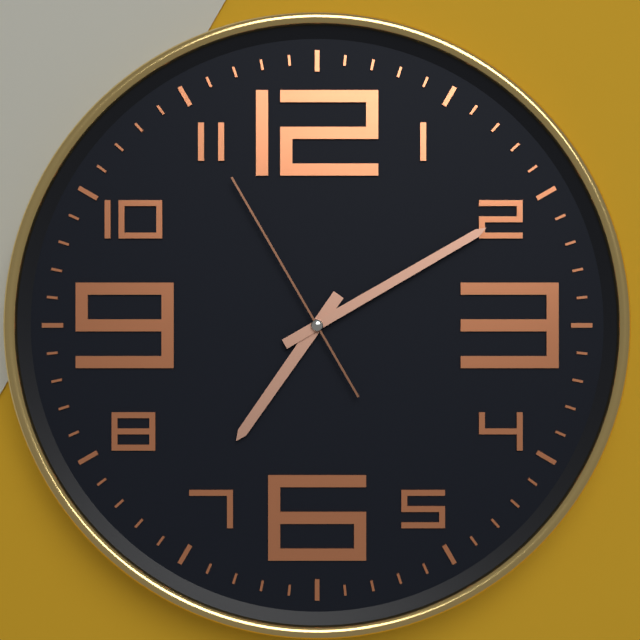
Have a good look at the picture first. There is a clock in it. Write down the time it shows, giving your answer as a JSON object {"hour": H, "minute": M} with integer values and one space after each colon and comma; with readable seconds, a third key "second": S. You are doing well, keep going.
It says {"hour": 7, "minute": 10, "second": 55}
